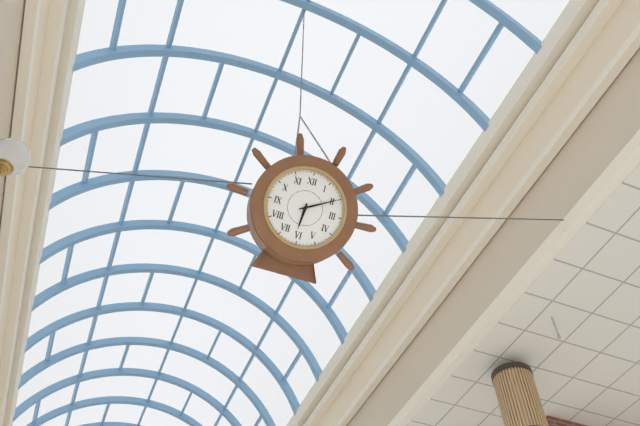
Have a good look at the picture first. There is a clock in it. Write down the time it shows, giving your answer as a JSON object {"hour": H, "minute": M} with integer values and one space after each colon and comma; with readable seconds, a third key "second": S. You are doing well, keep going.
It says {"hour": 6, "minute": 10}
